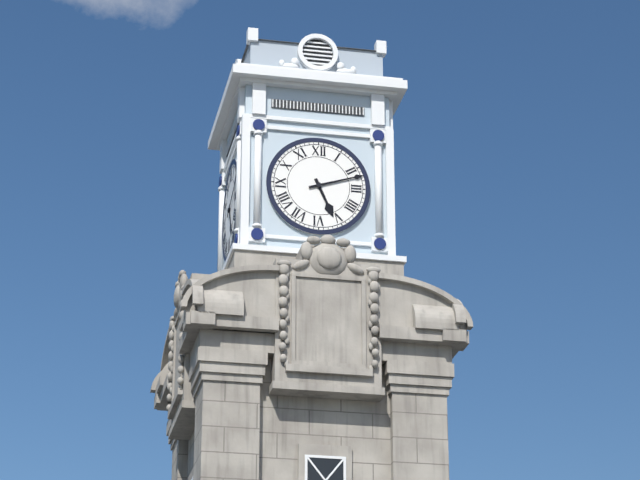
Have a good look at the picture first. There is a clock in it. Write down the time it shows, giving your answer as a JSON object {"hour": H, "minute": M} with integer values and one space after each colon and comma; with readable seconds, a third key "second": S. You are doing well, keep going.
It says {"hour": 5, "minute": 12}
